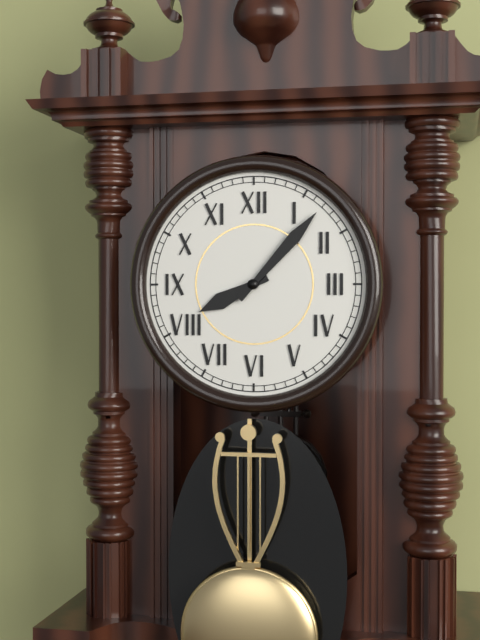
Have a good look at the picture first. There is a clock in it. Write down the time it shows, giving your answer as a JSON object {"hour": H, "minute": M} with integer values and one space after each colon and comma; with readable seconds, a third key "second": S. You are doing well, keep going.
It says {"hour": 8, "minute": 7}
